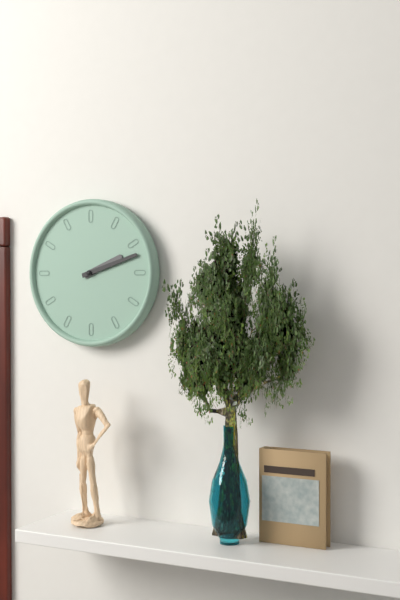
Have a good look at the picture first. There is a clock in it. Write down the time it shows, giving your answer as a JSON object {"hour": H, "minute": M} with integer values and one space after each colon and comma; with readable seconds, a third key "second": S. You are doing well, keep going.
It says {"hour": 2, "minute": 12}
